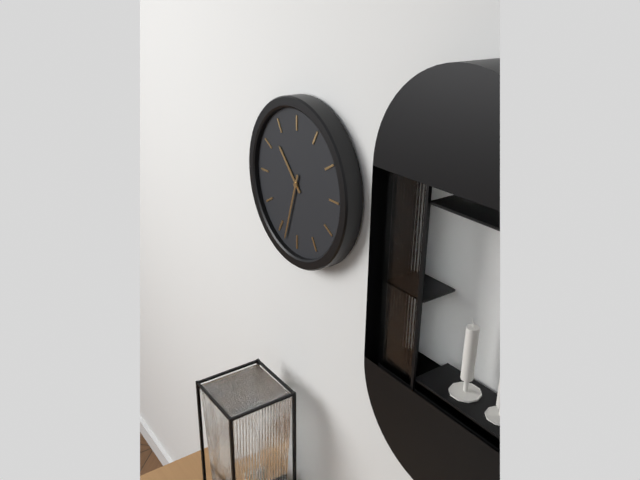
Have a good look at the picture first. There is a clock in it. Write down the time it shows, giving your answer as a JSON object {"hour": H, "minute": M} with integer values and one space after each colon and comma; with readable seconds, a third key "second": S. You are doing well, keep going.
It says {"hour": 10, "minute": 33}
